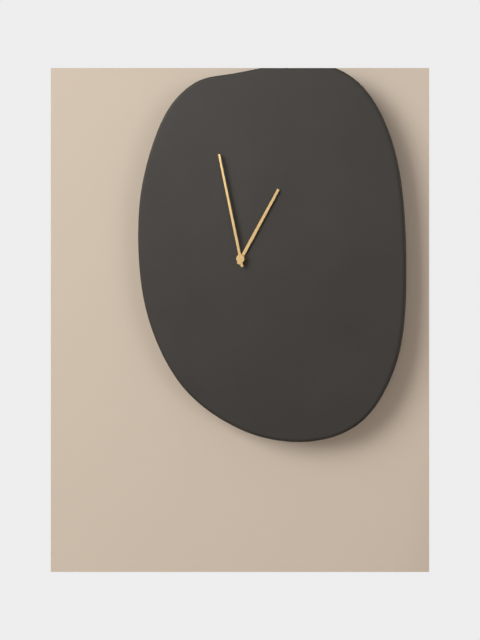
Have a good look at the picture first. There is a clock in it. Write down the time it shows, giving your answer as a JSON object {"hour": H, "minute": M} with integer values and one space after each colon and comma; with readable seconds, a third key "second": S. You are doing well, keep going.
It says {"hour": 12, "minute": 58}
